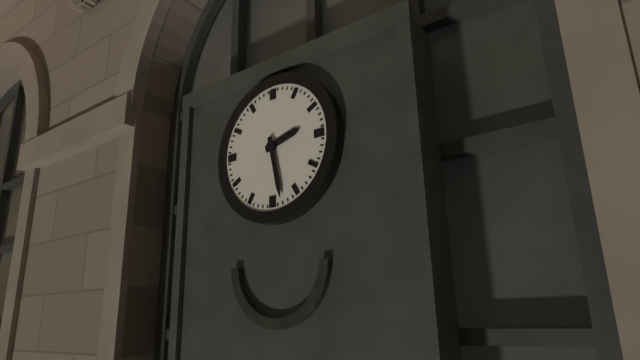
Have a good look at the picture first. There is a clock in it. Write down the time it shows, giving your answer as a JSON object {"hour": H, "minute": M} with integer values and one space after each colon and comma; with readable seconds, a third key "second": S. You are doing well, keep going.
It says {"hour": 2, "minute": 28}
